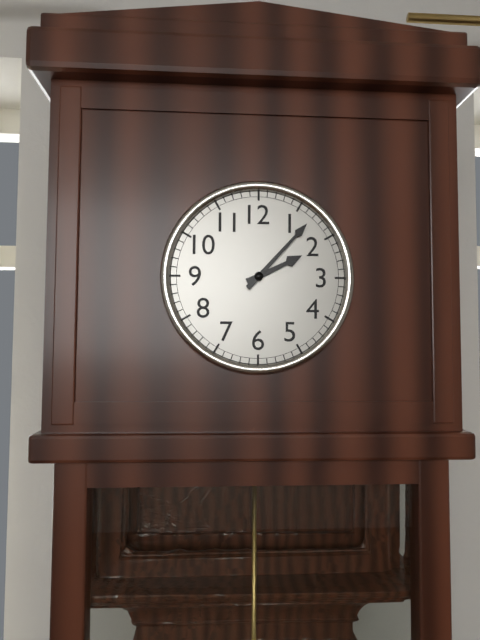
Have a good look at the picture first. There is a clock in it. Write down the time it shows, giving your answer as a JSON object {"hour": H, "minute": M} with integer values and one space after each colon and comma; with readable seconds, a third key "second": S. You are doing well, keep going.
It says {"hour": 2, "minute": 7}
